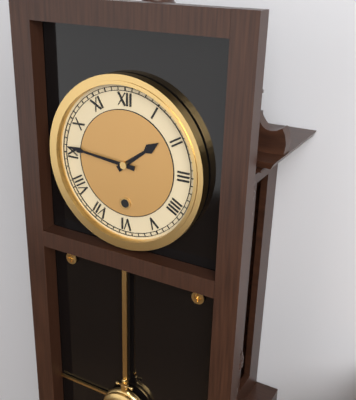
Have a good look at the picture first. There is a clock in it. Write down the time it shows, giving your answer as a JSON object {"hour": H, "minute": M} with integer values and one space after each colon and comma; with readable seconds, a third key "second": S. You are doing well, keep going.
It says {"hour": 1, "minute": 46}
